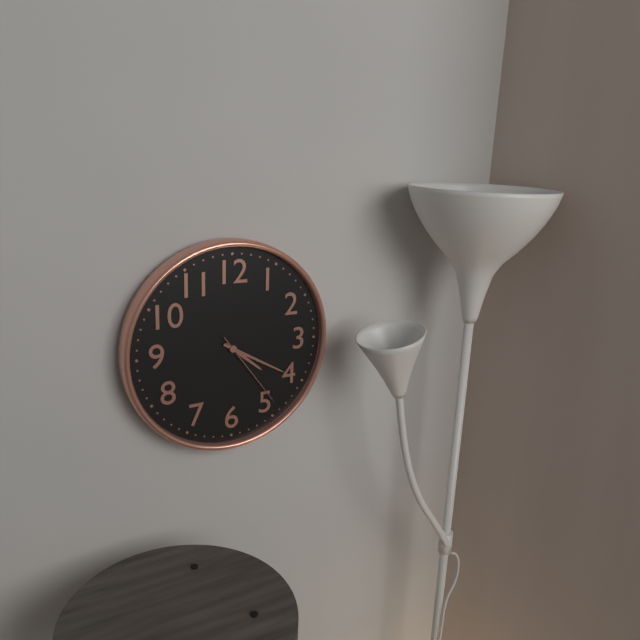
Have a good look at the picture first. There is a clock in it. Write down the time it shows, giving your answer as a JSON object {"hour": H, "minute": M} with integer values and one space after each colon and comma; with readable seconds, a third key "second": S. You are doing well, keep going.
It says {"hour": 4, "minute": 20, "second": 24}
